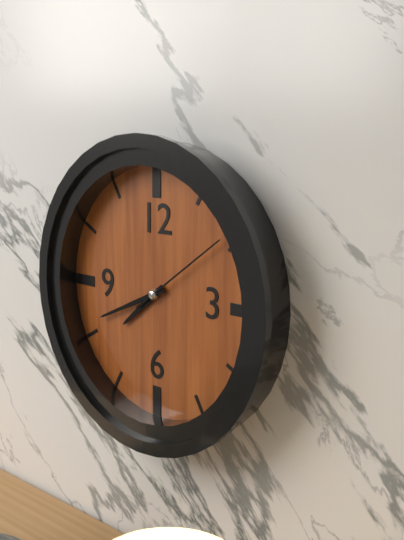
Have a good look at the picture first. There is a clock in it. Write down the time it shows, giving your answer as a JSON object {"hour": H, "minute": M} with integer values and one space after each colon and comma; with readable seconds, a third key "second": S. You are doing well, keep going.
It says {"hour": 7, "minute": 41, "second": 9}
